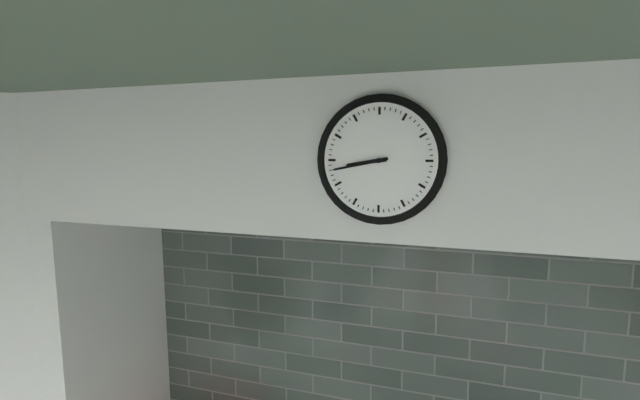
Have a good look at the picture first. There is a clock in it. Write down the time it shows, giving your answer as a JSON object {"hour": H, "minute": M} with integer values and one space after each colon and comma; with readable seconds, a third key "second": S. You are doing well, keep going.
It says {"hour": 8, "minute": 43}
